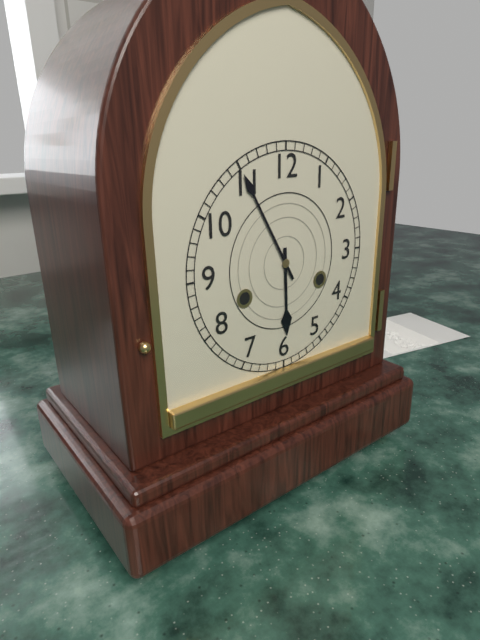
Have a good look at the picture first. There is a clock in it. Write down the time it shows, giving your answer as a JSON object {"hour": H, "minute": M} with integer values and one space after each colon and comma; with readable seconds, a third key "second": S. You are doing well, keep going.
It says {"hour": 5, "minute": 55}
